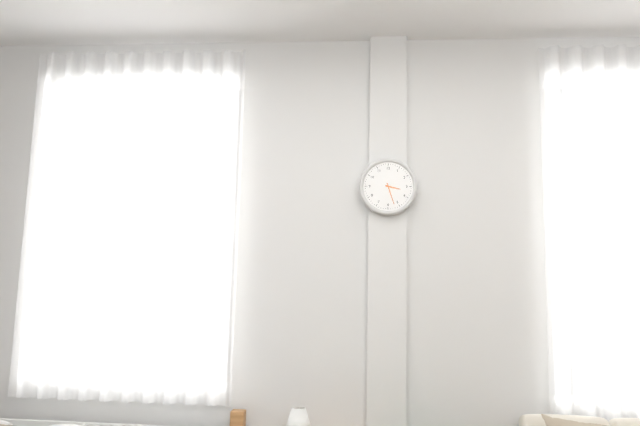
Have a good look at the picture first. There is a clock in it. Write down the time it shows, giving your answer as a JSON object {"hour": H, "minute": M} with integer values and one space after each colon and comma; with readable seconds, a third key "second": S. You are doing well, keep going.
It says {"hour": 3, "minute": 27}
